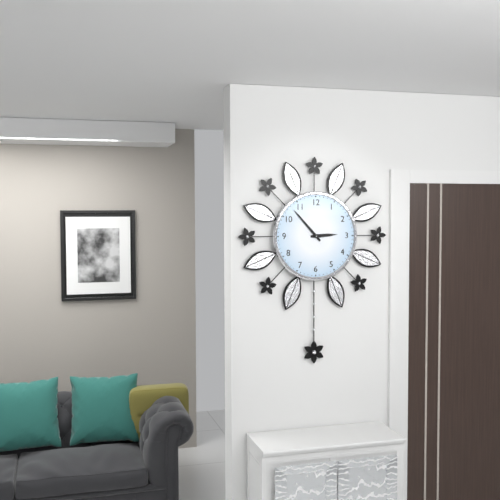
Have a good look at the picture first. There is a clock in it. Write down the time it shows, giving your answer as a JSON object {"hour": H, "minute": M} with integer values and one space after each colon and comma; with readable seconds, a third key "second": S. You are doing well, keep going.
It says {"hour": 2, "minute": 53}
